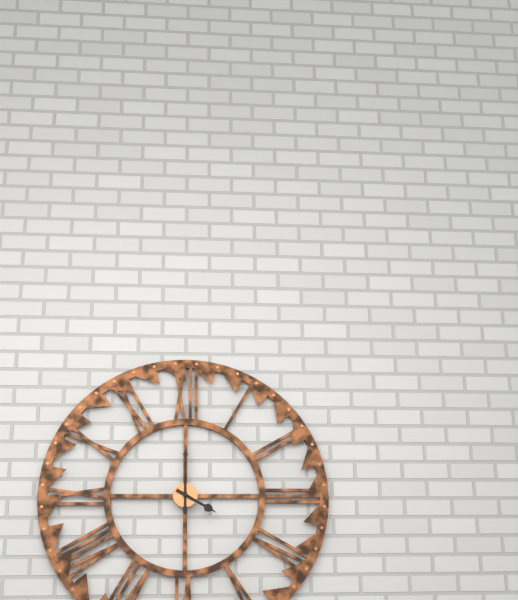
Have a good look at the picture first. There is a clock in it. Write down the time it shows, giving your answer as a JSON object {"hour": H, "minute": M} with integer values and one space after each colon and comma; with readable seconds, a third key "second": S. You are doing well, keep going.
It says {"hour": 4, "minute": 0}
